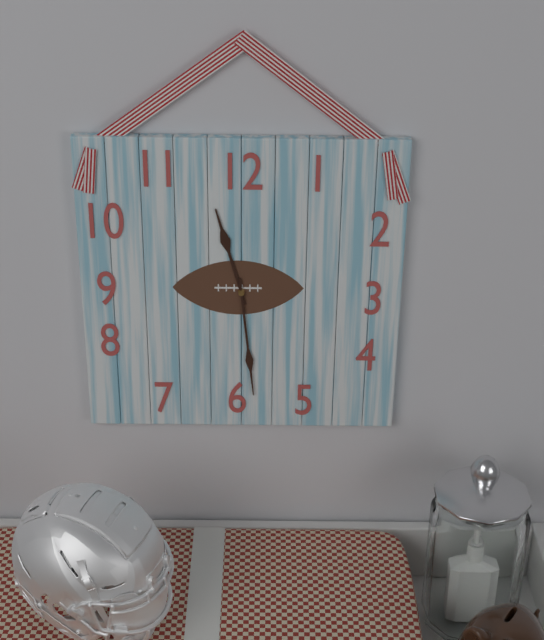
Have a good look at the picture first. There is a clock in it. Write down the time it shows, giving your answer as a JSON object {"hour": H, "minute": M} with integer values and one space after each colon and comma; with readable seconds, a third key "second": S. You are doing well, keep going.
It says {"hour": 11, "minute": 29}
